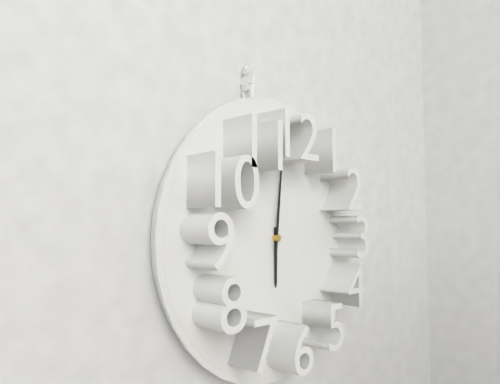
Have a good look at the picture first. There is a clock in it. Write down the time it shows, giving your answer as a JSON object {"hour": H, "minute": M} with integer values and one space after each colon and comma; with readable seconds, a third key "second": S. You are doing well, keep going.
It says {"hour": 6, "minute": 1}
